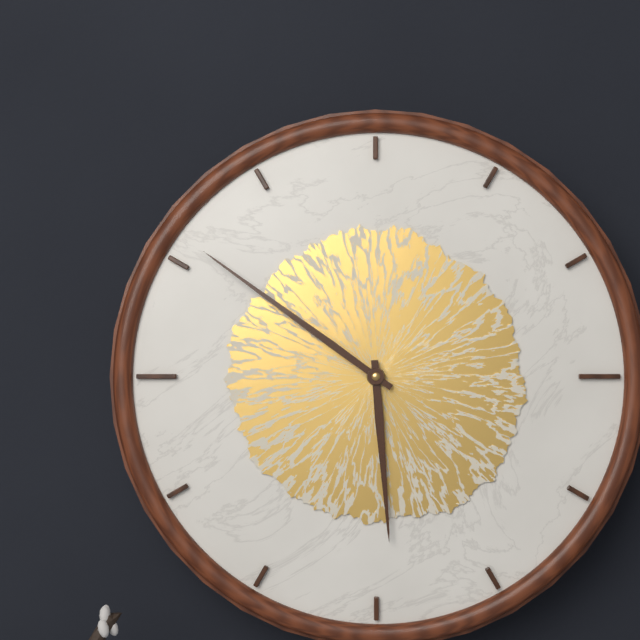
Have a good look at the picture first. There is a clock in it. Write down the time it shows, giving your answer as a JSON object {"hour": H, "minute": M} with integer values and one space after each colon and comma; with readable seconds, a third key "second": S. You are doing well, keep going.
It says {"hour": 5, "minute": 51}
